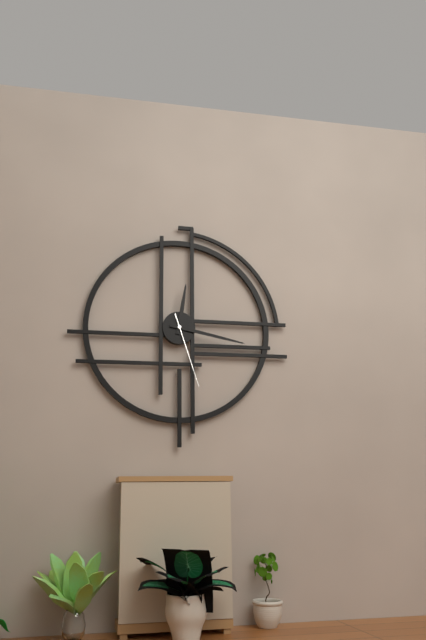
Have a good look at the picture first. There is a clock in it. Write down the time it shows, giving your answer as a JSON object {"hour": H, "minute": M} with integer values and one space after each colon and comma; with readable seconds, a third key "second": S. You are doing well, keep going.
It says {"hour": 12, "minute": 17, "second": 27}
